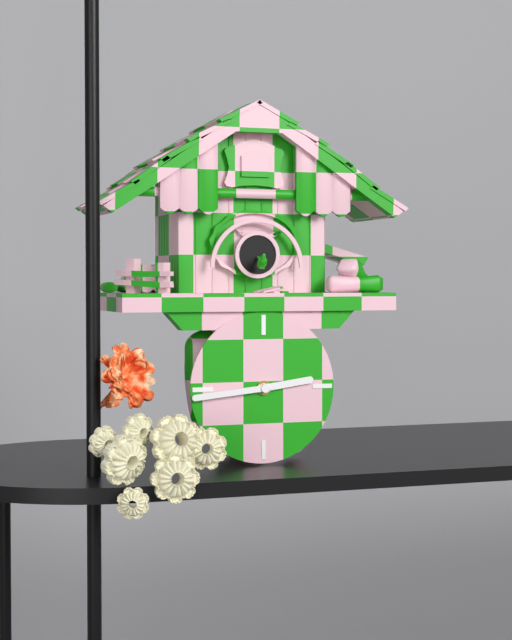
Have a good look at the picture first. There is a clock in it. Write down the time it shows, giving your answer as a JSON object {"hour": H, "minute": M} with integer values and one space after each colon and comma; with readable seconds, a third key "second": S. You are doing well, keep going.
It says {"hour": 2, "minute": 44}
